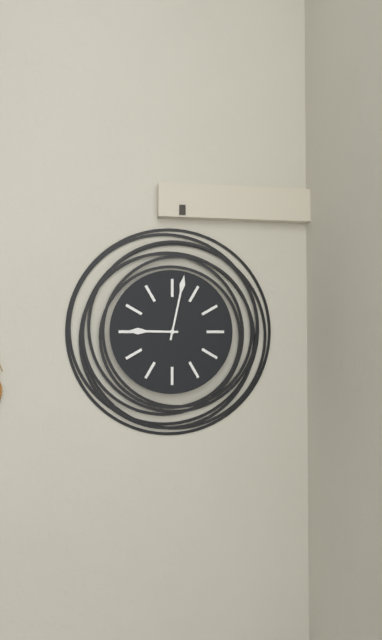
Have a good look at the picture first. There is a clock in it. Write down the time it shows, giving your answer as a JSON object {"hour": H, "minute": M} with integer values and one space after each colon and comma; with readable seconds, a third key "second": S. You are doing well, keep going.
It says {"hour": 9, "minute": 2}
